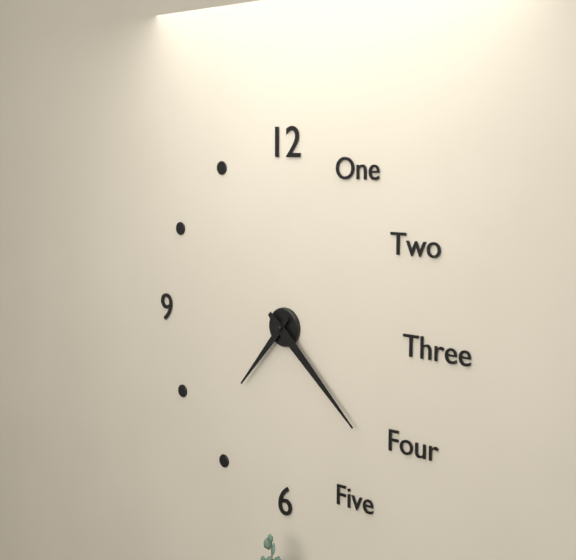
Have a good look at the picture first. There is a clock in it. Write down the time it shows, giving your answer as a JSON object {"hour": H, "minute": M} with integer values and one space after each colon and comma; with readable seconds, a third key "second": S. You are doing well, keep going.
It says {"hour": 7, "minute": 22}
